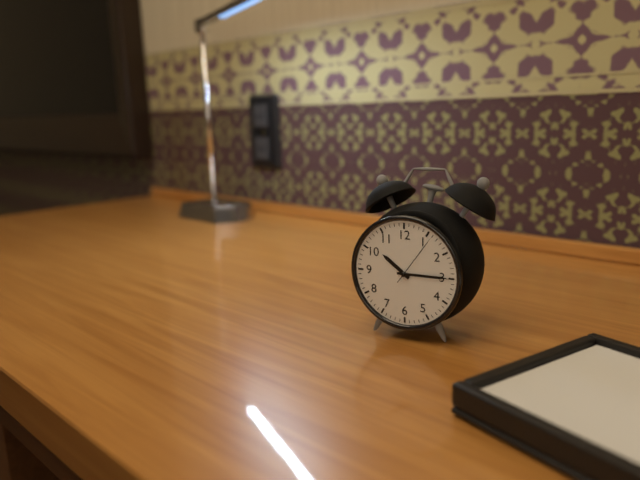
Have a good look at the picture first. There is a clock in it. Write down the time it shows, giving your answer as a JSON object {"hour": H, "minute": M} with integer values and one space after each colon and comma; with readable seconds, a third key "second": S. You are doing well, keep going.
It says {"hour": 10, "minute": 15, "second": 6}
